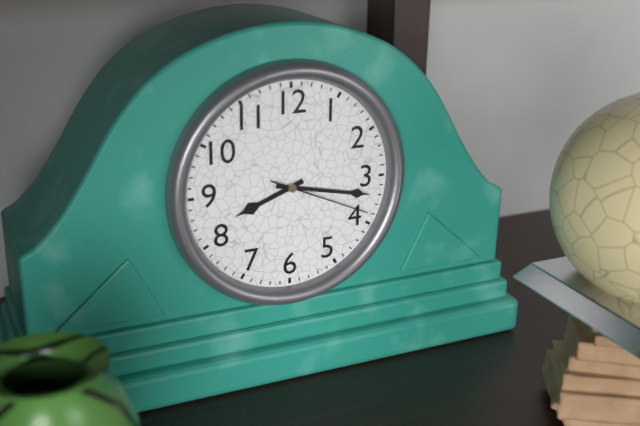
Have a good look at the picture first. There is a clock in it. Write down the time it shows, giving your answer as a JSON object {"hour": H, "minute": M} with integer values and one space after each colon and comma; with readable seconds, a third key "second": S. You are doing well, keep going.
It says {"hour": 8, "minute": 17, "second": 19}
